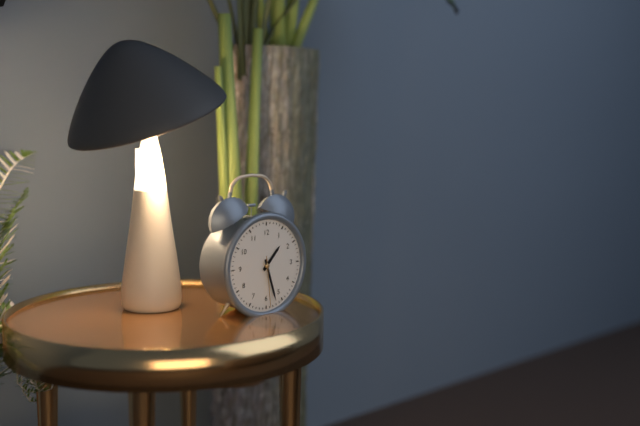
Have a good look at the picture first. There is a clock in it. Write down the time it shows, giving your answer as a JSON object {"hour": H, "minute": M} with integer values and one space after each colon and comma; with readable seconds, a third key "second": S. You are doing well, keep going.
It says {"hour": 1, "minute": 27, "second": 29}
